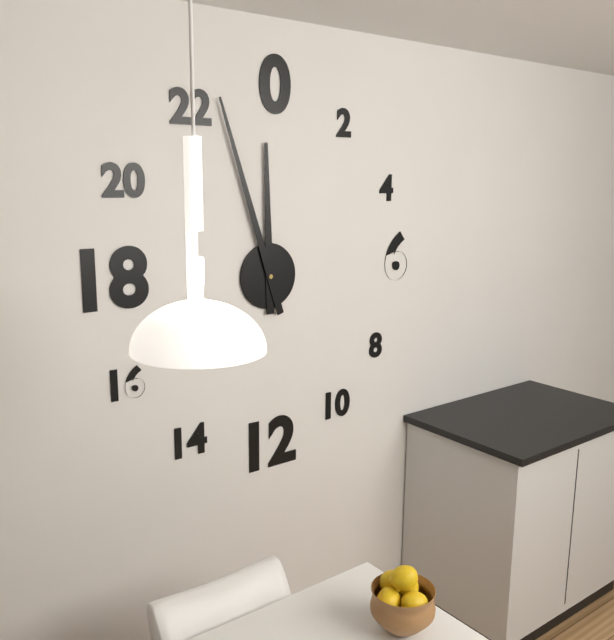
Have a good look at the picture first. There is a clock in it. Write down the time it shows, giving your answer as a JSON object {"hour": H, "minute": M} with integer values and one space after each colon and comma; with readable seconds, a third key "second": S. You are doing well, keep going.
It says {"hour": 11, "minute": 57}
